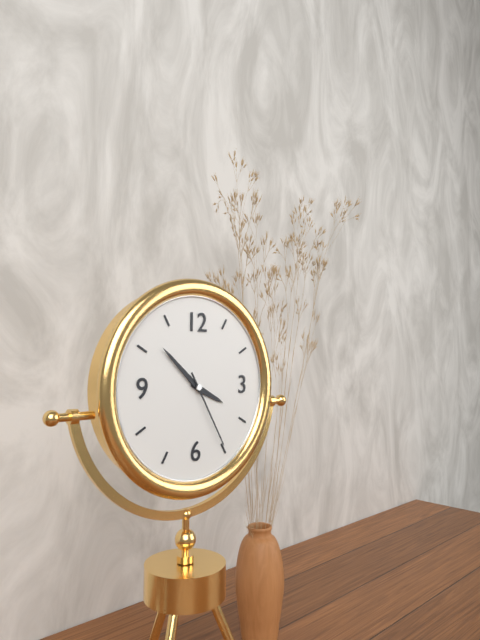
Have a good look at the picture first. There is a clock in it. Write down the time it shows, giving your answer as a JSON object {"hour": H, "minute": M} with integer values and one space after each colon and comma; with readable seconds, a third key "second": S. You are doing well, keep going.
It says {"hour": 3, "minute": 52, "second": 25}
